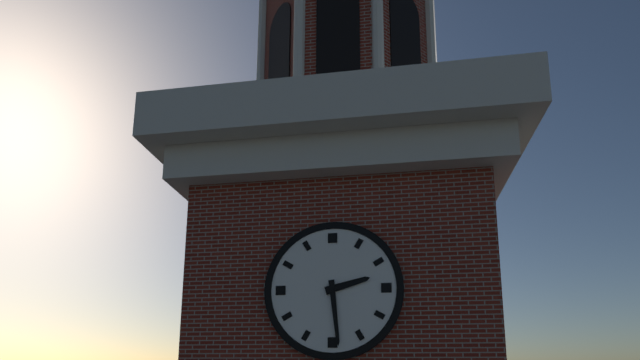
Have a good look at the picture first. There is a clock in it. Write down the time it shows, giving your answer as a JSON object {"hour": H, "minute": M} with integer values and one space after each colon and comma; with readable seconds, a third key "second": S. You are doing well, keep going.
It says {"hour": 2, "minute": 29}
